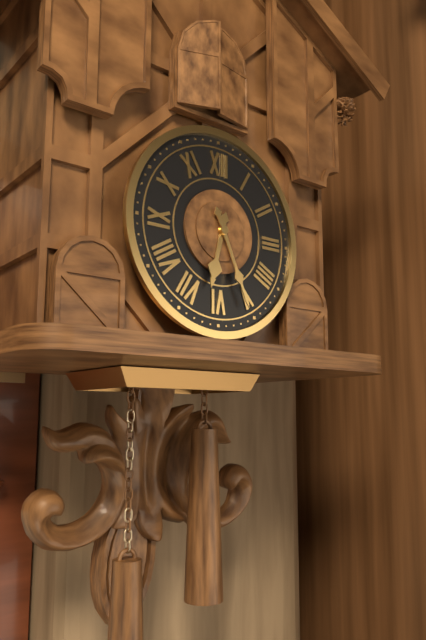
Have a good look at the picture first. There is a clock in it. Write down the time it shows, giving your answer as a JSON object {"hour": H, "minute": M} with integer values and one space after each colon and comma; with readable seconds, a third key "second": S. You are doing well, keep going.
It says {"hour": 6, "minute": 26}
